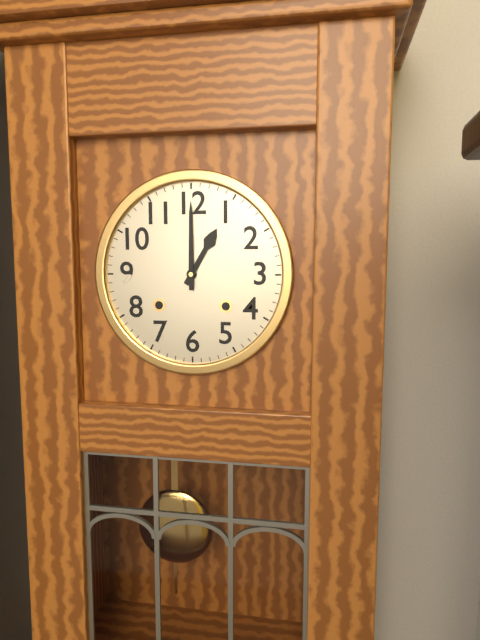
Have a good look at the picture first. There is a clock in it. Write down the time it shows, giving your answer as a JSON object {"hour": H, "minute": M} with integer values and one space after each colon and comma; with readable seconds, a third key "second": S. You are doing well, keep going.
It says {"hour": 1, "minute": 0}
